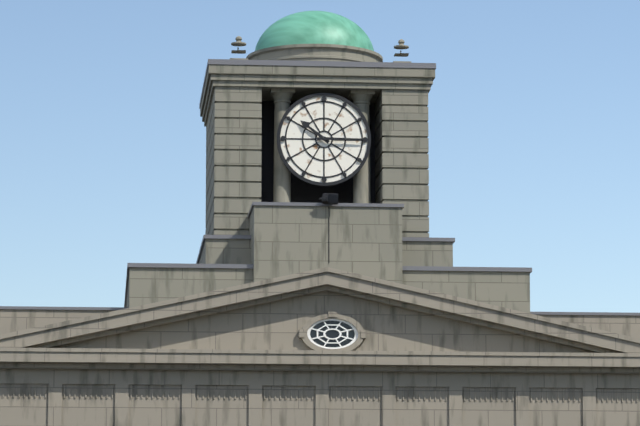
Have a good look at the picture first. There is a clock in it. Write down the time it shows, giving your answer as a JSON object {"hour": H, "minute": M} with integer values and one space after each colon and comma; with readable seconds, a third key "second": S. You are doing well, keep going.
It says {"hour": 10, "minute": 15}
